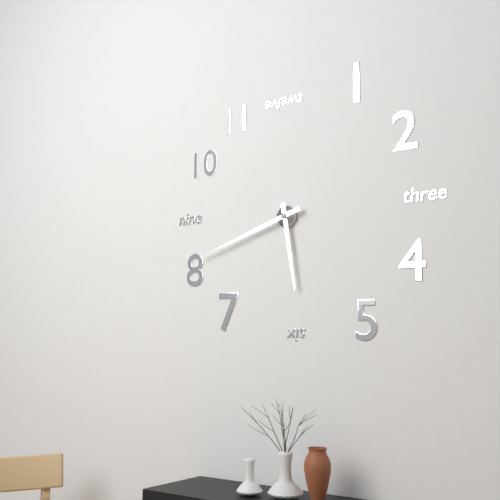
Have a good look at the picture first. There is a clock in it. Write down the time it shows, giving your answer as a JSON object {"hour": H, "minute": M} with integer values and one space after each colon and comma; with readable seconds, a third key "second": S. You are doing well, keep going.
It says {"hour": 5, "minute": 42}
